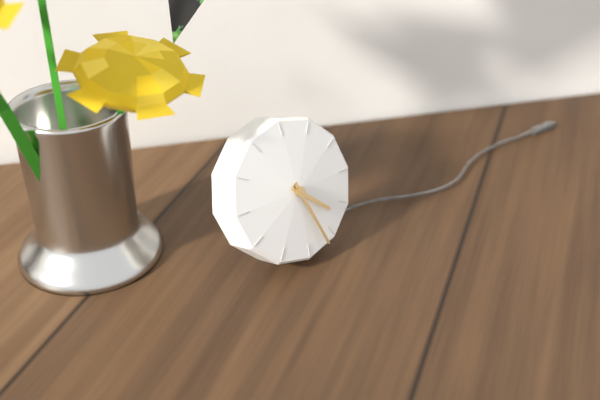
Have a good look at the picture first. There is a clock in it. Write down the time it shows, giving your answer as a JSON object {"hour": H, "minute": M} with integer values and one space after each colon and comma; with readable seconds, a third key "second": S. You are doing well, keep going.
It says {"hour": 4, "minute": 27}
